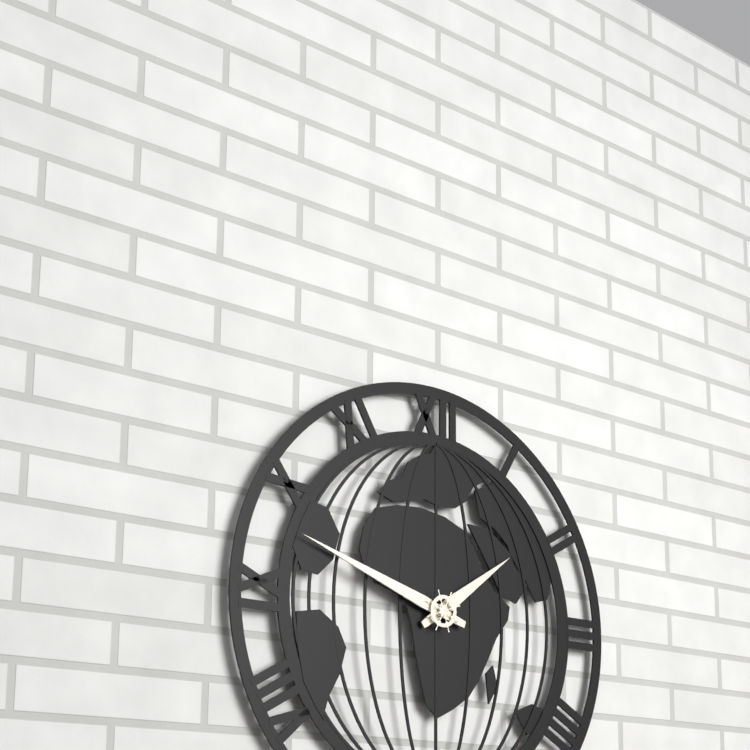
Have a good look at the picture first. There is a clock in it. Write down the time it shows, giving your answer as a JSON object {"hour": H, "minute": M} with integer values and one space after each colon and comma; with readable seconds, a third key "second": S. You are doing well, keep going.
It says {"hour": 1, "minute": 48}
